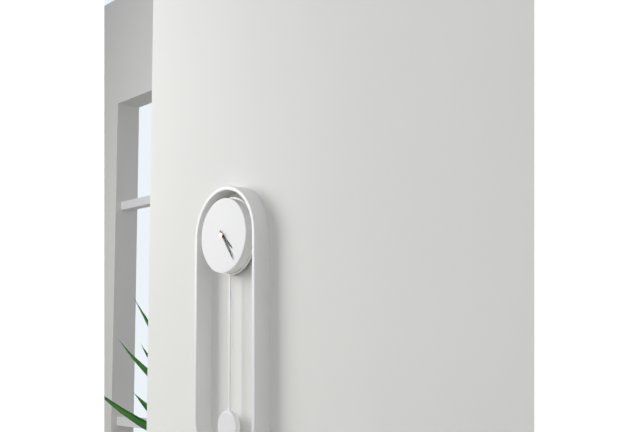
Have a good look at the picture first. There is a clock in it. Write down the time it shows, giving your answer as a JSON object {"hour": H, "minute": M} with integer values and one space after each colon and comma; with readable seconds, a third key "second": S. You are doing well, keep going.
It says {"hour": 4, "minute": 24}
